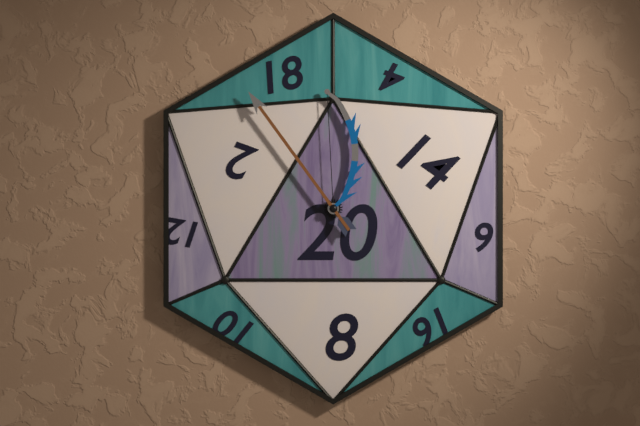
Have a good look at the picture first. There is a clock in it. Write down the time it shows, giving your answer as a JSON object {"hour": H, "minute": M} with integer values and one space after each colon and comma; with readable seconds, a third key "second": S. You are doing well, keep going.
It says {"hour": 11, "minute": 54}
